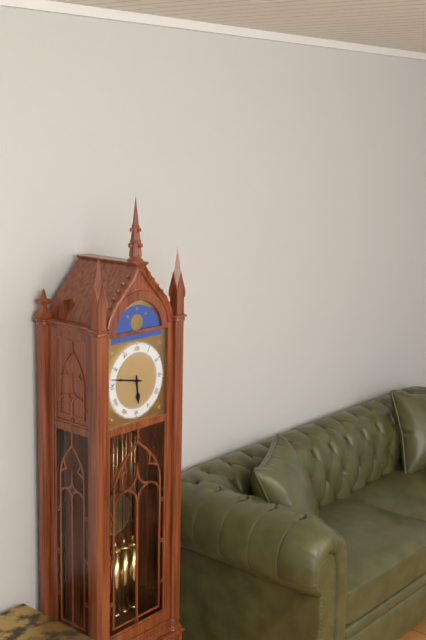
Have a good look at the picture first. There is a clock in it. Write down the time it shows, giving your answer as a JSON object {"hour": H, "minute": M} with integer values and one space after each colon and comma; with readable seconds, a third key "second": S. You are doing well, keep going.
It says {"hour": 5, "minute": 47}
